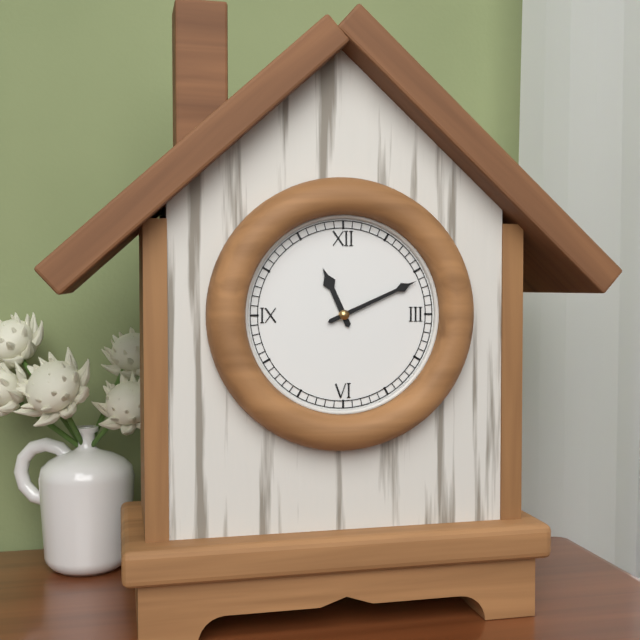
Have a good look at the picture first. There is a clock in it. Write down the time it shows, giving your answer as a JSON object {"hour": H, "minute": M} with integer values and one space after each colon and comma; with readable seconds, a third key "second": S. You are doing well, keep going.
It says {"hour": 11, "minute": 11}
